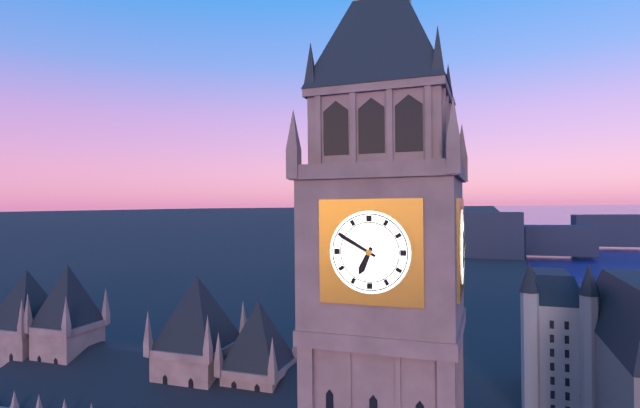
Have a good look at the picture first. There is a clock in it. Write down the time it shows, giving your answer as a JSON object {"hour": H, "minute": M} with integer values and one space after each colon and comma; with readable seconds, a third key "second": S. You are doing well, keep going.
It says {"hour": 6, "minute": 50}
